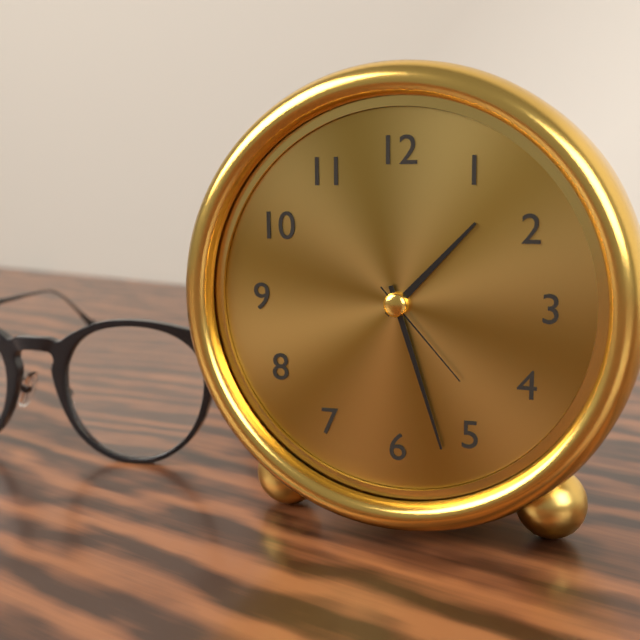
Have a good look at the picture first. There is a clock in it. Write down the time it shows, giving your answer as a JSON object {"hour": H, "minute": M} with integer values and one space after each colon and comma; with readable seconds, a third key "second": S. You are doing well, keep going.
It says {"hour": 1, "minute": 27, "second": 23}
